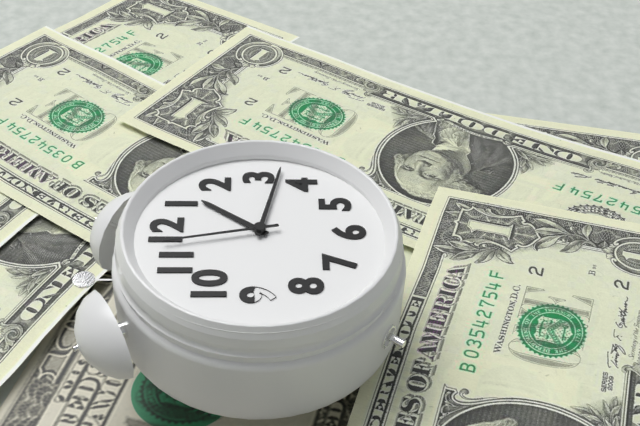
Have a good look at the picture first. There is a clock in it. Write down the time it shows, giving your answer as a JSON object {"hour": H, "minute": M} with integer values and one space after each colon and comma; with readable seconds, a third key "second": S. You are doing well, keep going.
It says {"hour": 1, "minute": 17, "second": 58}
